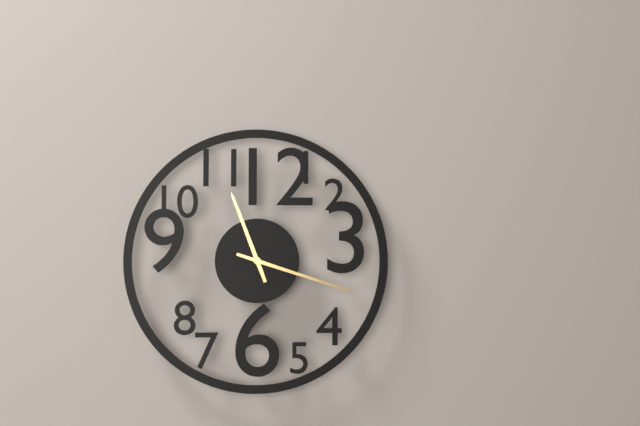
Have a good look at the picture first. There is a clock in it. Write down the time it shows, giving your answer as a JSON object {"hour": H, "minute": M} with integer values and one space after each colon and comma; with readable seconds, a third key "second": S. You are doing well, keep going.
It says {"hour": 11, "minute": 18}
